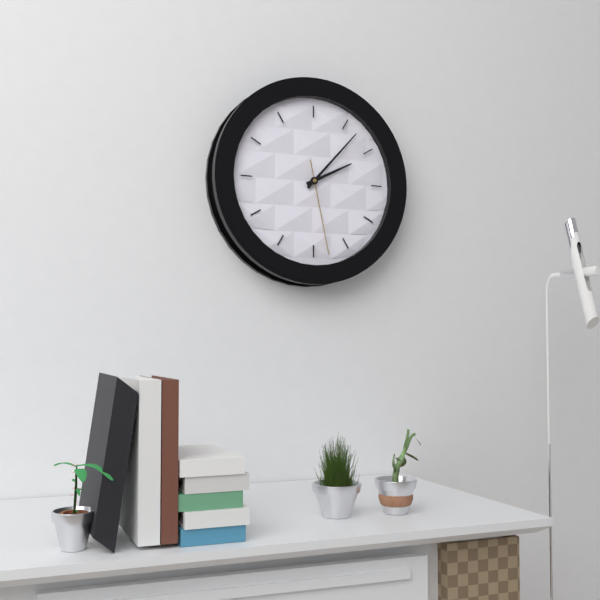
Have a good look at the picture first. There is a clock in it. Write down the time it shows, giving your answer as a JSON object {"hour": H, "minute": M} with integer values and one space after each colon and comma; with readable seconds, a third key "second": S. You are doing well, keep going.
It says {"hour": 2, "minute": 7, "second": 28}
